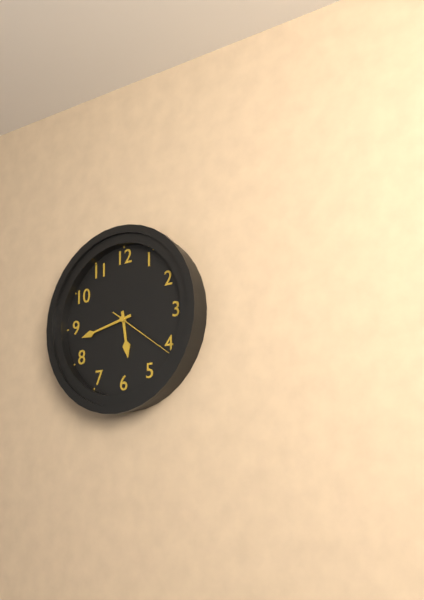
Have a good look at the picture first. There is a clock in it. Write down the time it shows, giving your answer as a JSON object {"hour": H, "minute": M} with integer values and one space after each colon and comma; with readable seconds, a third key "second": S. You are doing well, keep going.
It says {"hour": 5, "minute": 43, "second": 21}
